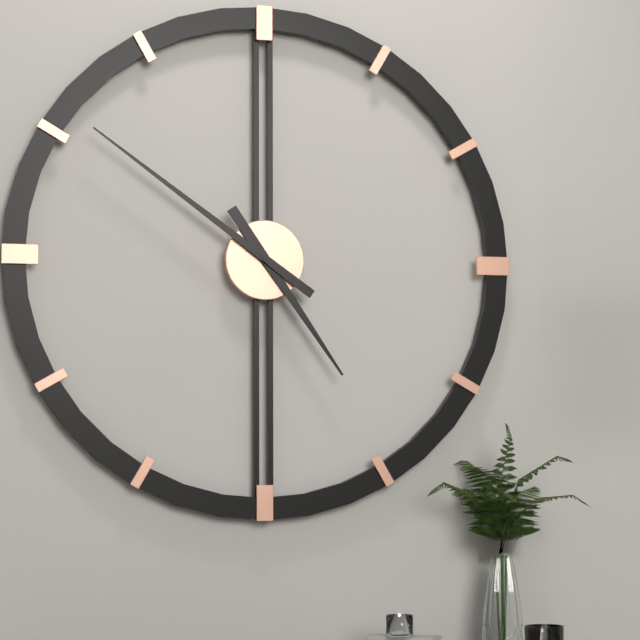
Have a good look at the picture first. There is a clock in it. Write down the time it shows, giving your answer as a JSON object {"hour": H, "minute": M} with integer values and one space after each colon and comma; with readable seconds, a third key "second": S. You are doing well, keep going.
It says {"hour": 4, "minute": 51}
